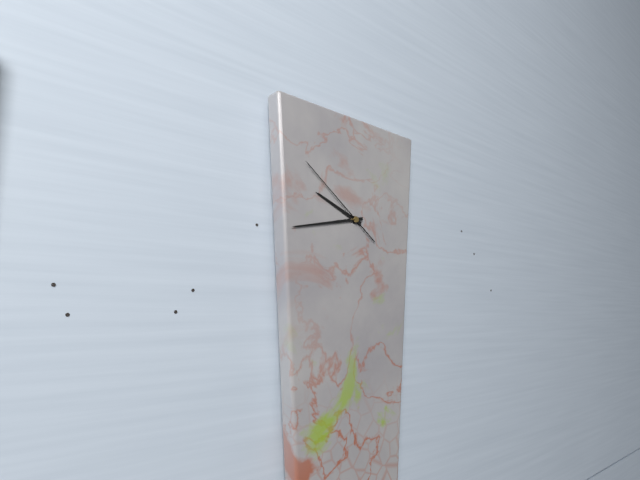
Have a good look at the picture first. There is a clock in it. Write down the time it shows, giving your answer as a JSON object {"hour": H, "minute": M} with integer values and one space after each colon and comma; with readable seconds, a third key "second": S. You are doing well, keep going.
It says {"hour": 9, "minute": 43, "second": 51}
